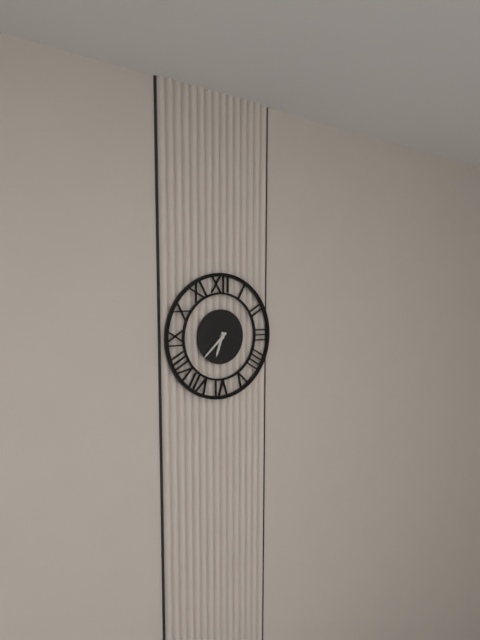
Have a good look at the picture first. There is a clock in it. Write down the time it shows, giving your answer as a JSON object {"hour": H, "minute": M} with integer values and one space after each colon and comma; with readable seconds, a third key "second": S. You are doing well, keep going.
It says {"hour": 6, "minute": 38}
